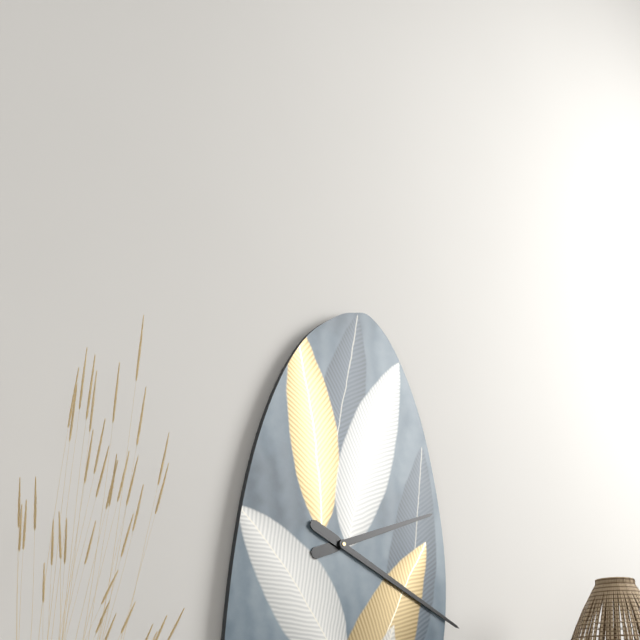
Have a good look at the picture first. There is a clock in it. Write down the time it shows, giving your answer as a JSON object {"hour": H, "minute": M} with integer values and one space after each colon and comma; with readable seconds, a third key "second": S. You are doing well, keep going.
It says {"hour": 2, "minute": 19}
